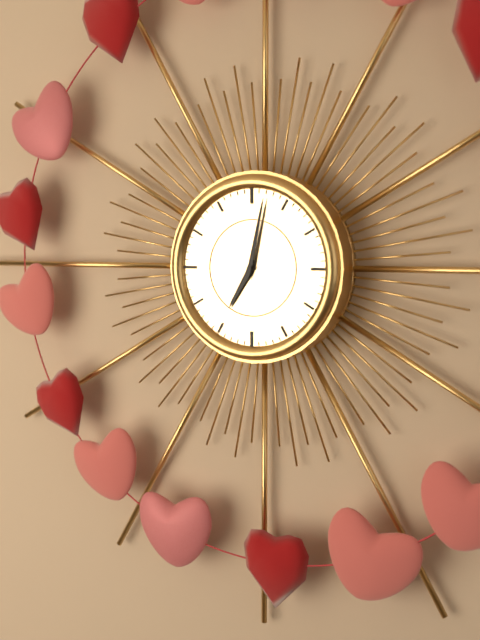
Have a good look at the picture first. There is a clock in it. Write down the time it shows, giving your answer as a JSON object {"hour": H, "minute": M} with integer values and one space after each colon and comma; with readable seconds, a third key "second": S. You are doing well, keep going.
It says {"hour": 7, "minute": 2}
